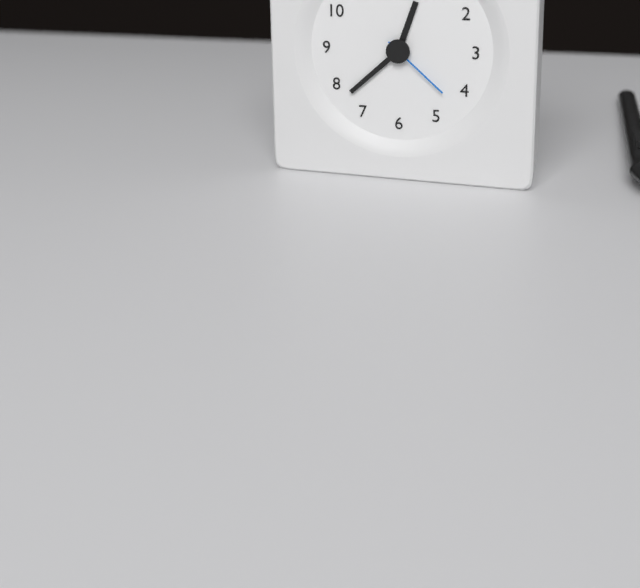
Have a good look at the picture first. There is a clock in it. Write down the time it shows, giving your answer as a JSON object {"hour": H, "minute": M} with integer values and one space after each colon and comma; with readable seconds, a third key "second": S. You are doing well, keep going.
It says {"hour": 12, "minute": 38, "second": 22}
